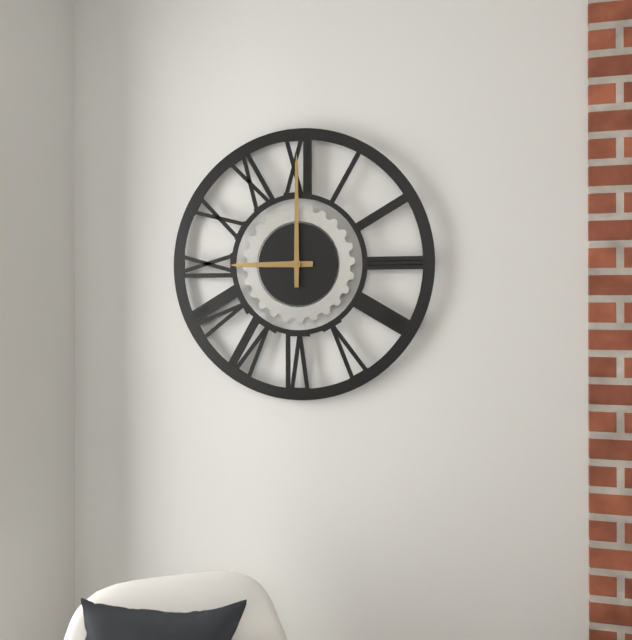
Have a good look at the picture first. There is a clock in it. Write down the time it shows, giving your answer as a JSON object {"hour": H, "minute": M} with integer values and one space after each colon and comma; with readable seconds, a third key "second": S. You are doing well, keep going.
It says {"hour": 9, "minute": 0}
